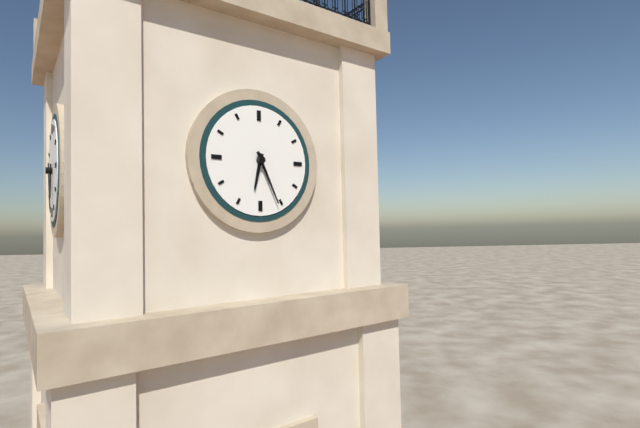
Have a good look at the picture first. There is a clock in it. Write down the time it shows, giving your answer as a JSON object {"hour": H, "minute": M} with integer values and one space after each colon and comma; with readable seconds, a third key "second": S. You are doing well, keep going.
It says {"hour": 6, "minute": 26}
